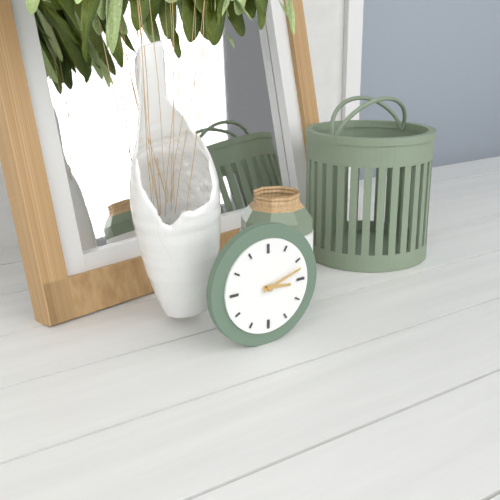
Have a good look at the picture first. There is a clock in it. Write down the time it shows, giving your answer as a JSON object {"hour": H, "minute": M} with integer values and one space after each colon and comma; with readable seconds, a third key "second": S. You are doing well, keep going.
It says {"hour": 3, "minute": 12}
